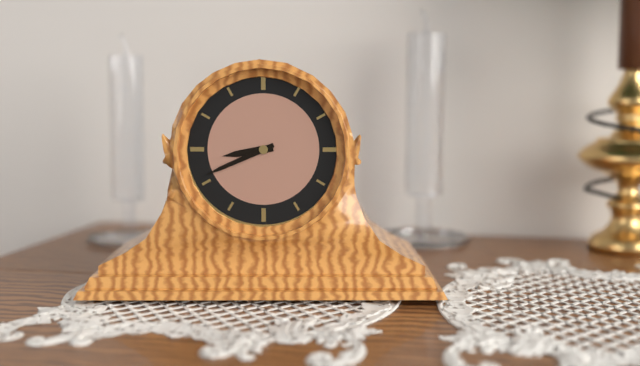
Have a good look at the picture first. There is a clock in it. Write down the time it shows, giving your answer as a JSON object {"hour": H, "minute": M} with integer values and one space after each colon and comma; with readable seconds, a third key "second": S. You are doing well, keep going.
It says {"hour": 8, "minute": 41}
